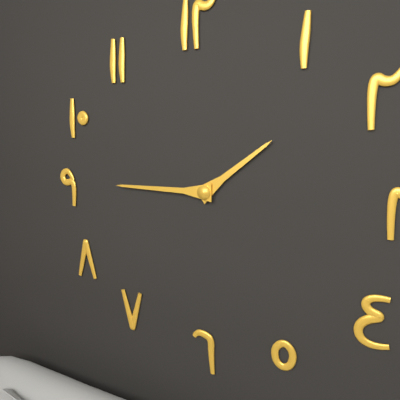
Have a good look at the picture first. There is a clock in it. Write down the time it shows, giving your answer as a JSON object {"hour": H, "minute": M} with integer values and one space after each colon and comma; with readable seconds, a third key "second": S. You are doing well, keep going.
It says {"hour": 1, "minute": 45}
